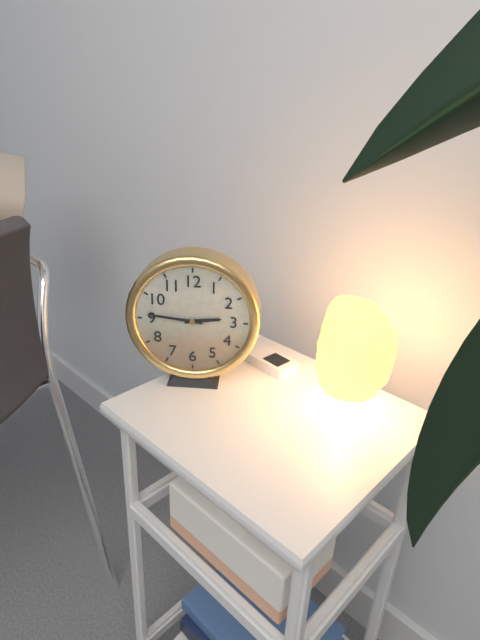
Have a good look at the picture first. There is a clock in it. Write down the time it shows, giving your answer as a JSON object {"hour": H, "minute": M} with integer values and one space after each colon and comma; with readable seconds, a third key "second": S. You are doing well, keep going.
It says {"hour": 2, "minute": 46}
